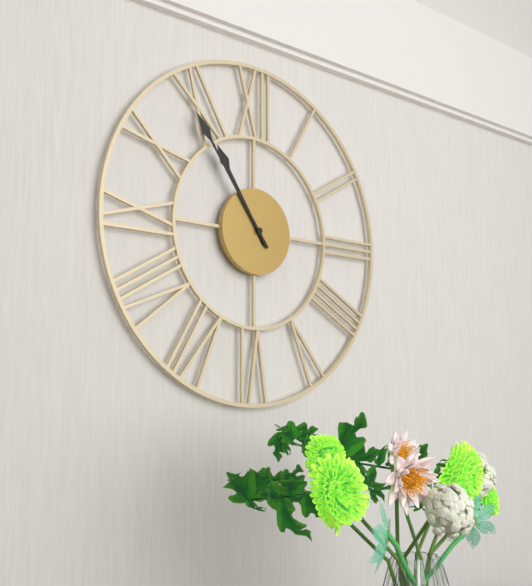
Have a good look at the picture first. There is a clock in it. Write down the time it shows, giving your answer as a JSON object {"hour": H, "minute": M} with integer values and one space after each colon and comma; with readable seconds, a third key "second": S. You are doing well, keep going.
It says {"hour": 10, "minute": 54}
